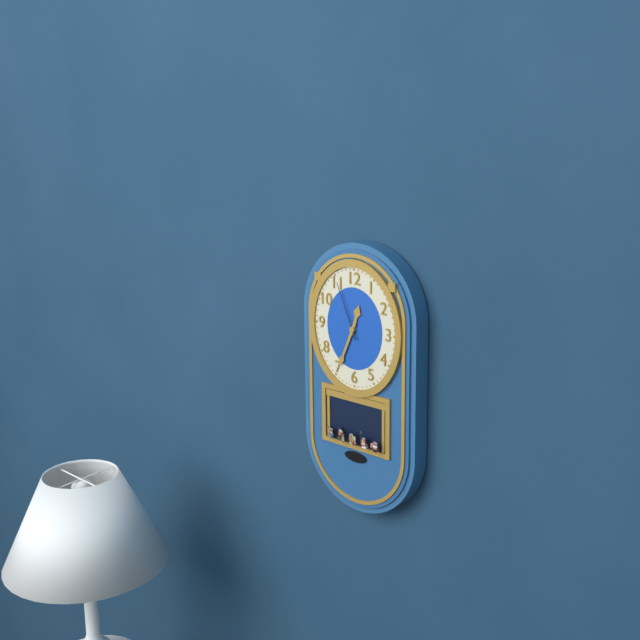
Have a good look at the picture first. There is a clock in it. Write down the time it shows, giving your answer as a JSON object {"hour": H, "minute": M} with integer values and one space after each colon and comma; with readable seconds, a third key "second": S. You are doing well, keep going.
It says {"hour": 12, "minute": 34, "second": 56}
